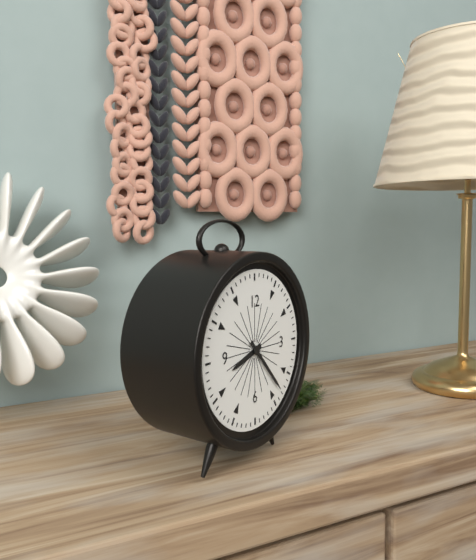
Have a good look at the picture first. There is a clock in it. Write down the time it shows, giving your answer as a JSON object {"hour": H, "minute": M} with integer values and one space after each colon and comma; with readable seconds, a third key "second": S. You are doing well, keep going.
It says {"hour": 8, "minute": 23}
